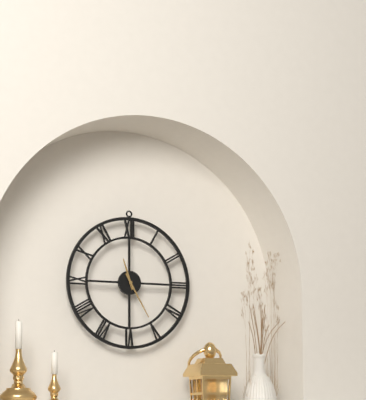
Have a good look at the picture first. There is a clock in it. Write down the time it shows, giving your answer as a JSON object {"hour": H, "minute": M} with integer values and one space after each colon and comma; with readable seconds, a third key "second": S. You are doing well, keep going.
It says {"hour": 11, "minute": 25}
